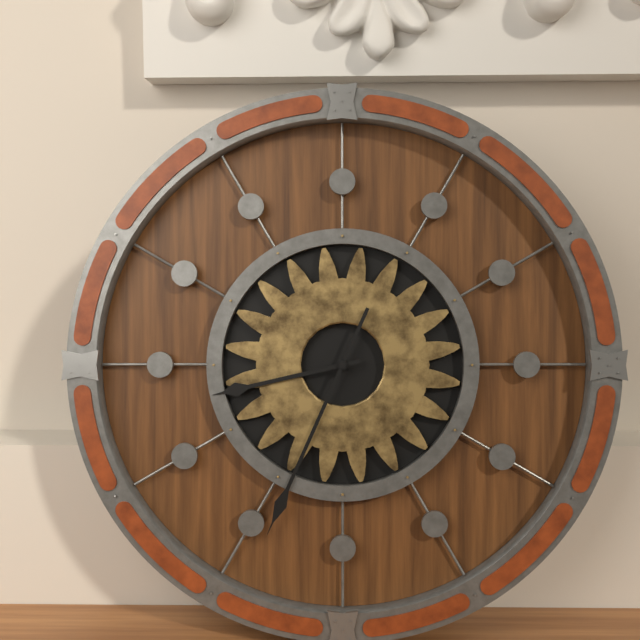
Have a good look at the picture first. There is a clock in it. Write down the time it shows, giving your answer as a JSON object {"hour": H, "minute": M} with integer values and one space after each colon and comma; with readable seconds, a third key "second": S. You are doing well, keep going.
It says {"hour": 8, "minute": 34}
